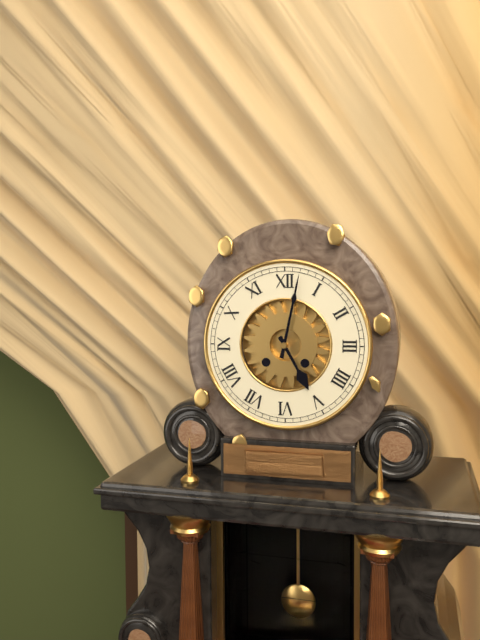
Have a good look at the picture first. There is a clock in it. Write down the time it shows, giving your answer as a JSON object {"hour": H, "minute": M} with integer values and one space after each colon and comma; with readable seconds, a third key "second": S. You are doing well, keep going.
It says {"hour": 5, "minute": 2}
